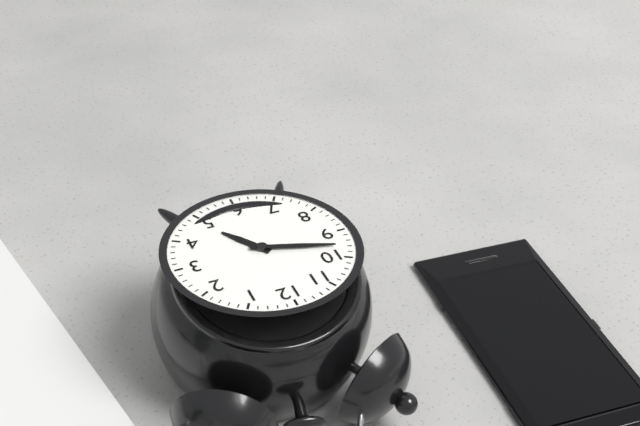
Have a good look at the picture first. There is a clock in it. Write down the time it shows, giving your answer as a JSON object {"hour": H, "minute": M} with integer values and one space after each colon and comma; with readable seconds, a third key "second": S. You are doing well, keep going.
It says {"hour": 4, "minute": 48}
